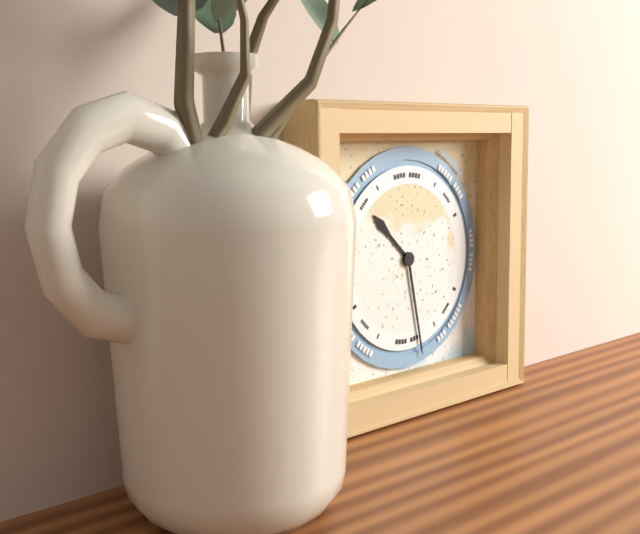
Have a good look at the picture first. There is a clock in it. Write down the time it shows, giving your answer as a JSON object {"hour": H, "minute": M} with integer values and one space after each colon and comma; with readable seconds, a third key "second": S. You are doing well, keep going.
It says {"hour": 10, "minute": 28}
